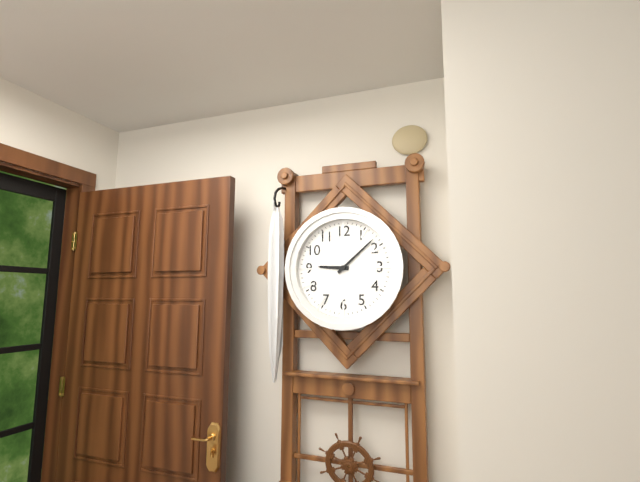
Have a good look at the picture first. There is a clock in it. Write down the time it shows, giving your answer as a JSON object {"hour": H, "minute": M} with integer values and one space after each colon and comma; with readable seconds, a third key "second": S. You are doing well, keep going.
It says {"hour": 9, "minute": 8}
